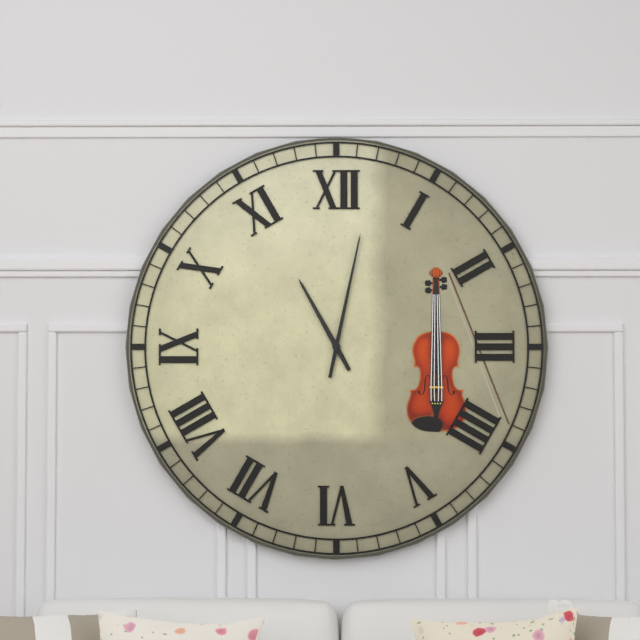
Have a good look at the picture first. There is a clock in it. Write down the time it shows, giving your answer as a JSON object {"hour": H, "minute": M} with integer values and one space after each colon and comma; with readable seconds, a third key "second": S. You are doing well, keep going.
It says {"hour": 11, "minute": 2}
